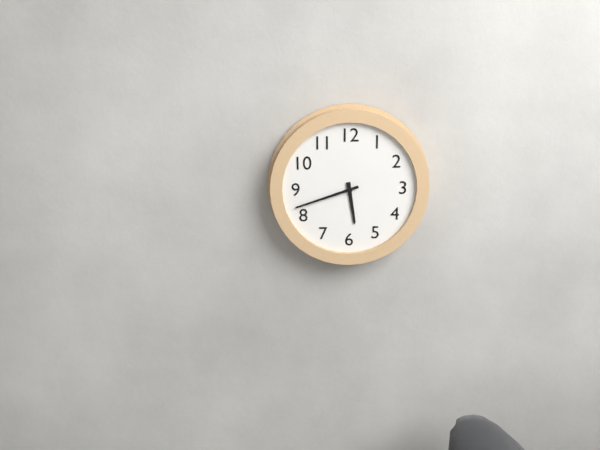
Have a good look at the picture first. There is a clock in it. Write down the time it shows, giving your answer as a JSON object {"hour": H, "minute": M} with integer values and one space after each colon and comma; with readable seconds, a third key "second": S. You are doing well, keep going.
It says {"hour": 5, "minute": 42}
